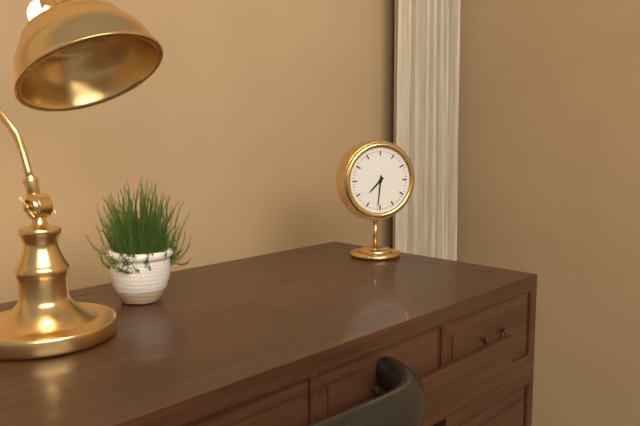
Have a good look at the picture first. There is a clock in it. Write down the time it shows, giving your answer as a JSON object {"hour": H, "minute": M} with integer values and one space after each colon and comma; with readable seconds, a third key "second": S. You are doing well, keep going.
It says {"hour": 7, "minute": 31}
